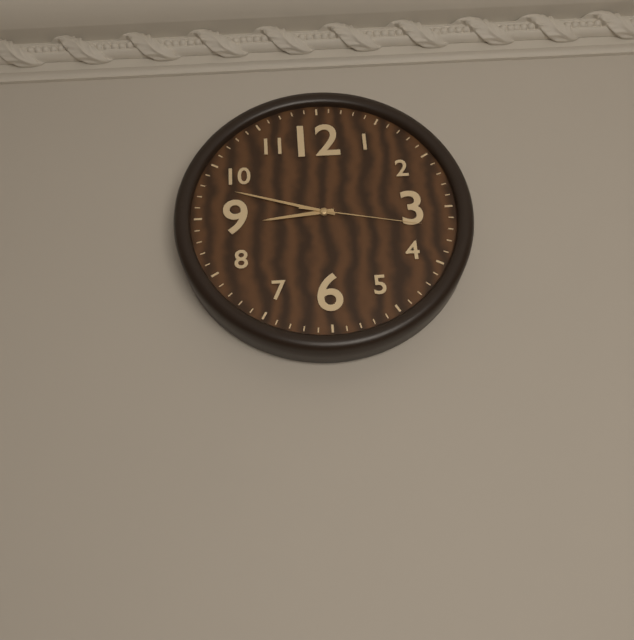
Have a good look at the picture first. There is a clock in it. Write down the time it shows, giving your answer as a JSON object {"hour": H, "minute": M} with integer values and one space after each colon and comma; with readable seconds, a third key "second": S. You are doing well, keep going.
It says {"hour": 8, "minute": 48, "second": 17}
